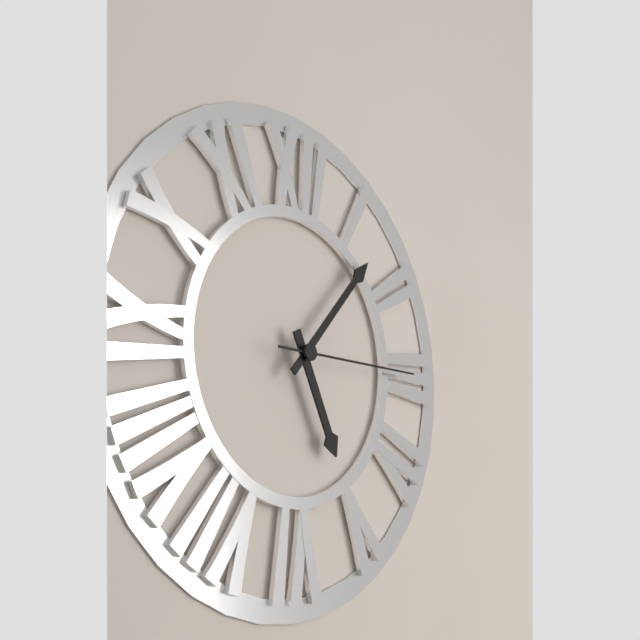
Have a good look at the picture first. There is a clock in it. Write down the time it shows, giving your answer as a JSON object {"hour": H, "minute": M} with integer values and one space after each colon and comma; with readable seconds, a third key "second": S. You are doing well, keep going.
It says {"hour": 5, "minute": 7, "second": 15}
